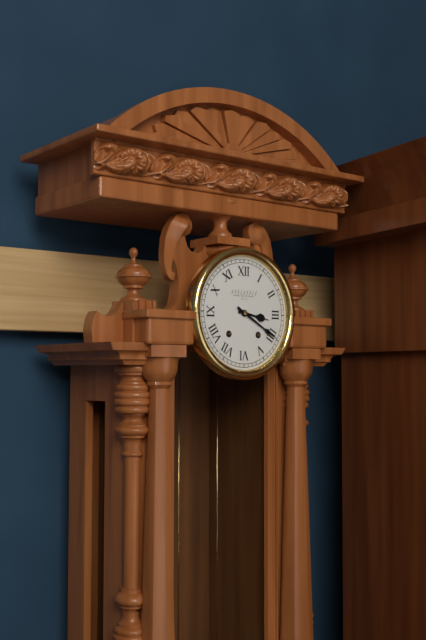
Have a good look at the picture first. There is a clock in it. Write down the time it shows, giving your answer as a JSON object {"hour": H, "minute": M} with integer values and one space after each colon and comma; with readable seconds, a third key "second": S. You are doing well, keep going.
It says {"hour": 3, "minute": 20}
